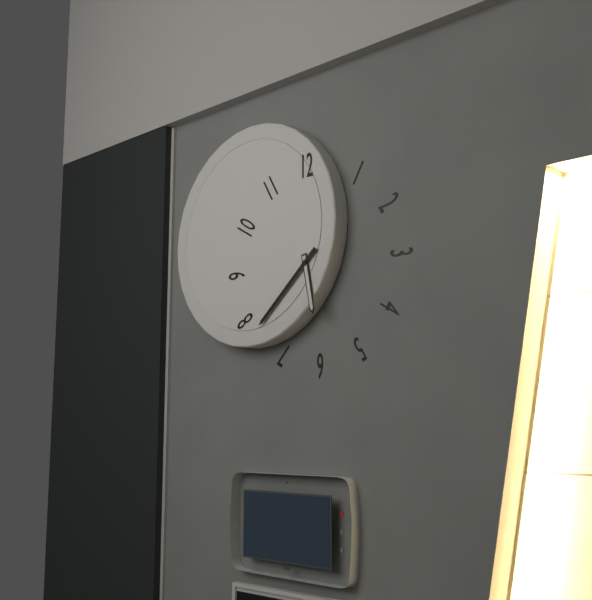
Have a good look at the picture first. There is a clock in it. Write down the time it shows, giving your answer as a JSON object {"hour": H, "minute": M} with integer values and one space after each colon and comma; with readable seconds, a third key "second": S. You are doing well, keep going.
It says {"hour": 5, "minute": 38}
